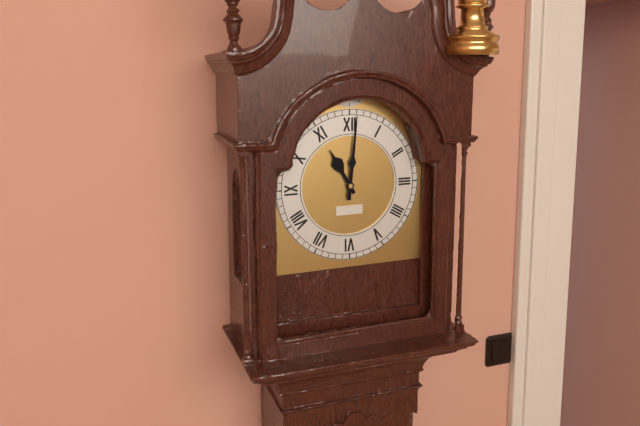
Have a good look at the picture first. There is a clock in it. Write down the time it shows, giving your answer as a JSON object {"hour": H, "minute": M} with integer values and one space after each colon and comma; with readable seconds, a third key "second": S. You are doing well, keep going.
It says {"hour": 11, "minute": 1}
